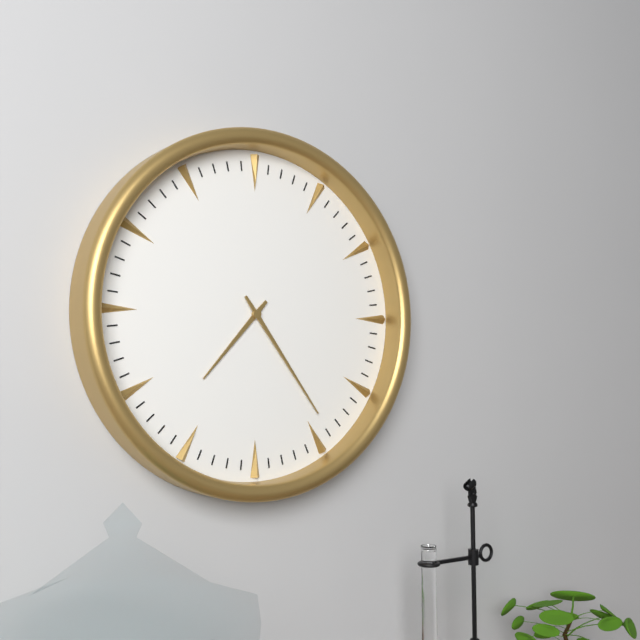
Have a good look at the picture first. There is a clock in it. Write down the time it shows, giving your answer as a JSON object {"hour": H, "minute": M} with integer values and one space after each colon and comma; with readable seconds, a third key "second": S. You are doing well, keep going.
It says {"hour": 7, "minute": 24}
